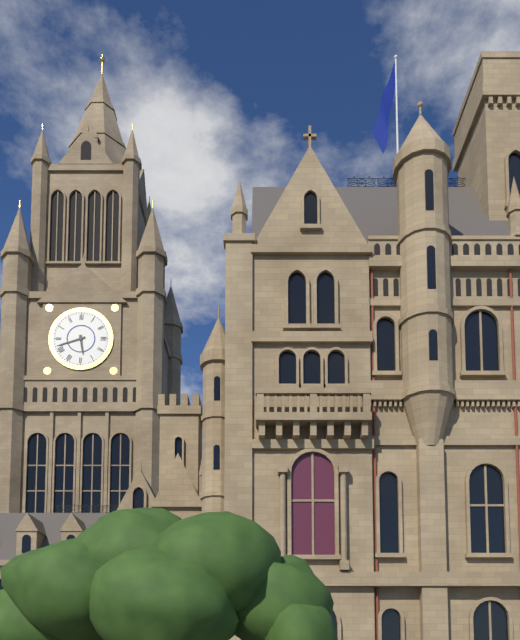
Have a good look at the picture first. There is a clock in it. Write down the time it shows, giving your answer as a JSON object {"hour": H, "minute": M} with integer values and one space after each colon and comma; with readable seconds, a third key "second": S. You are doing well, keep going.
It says {"hour": 5, "minute": 42}
